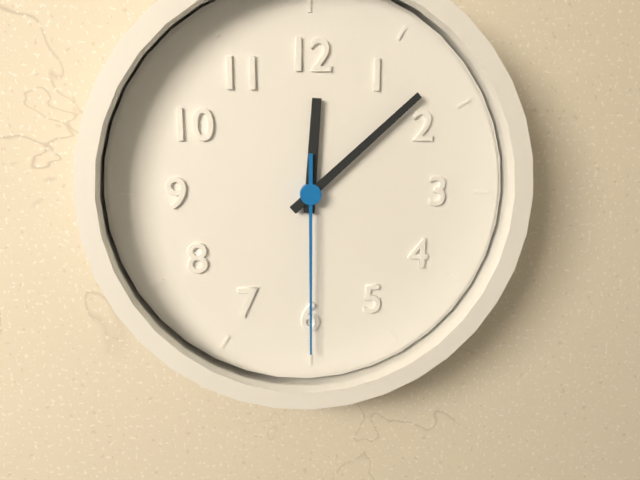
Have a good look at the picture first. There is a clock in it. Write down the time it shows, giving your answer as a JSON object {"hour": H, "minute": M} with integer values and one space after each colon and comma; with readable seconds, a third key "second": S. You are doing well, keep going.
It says {"hour": 12, "minute": 8, "second": 30}
